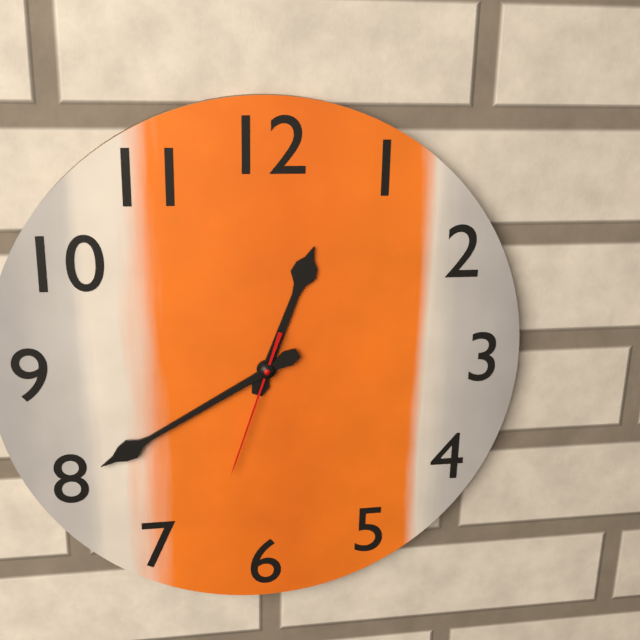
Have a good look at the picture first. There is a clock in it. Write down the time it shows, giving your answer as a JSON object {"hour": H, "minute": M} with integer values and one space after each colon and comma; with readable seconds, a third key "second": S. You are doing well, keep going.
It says {"hour": 12, "minute": 40, "second": 33}
